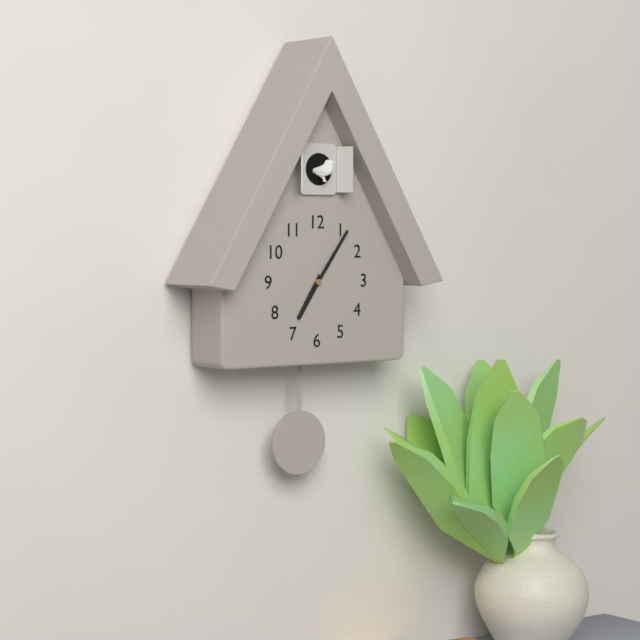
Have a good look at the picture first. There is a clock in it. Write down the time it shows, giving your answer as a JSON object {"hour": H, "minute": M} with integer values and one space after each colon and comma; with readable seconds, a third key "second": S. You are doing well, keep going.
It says {"hour": 7, "minute": 6}
